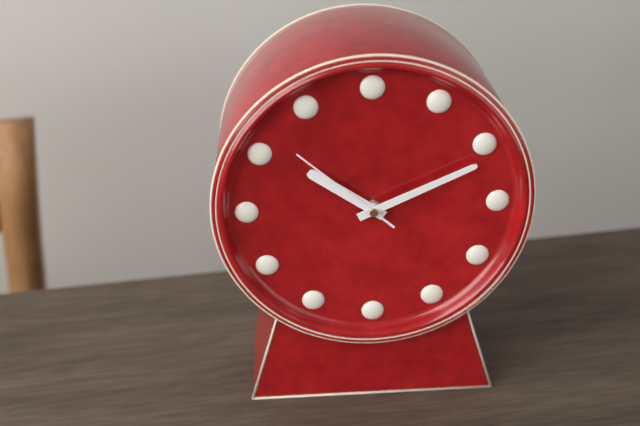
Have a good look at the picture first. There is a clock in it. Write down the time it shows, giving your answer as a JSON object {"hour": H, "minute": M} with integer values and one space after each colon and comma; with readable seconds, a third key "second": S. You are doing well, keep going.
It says {"hour": 10, "minute": 11, "second": 52}
